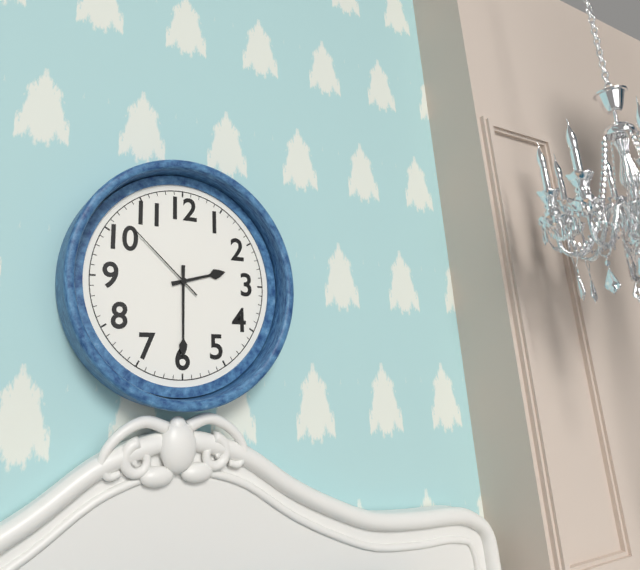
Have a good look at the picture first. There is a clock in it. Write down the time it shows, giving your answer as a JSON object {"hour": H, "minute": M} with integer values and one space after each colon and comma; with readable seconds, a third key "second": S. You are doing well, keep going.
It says {"hour": 2, "minute": 30, "second": 52}
